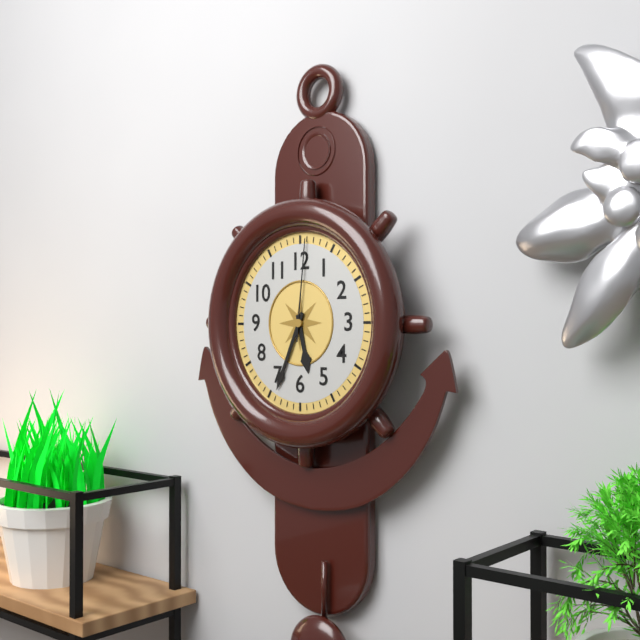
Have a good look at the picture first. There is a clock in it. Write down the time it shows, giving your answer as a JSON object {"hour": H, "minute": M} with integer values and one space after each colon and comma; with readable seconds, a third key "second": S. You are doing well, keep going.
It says {"hour": 5, "minute": 34, "second": 1}
